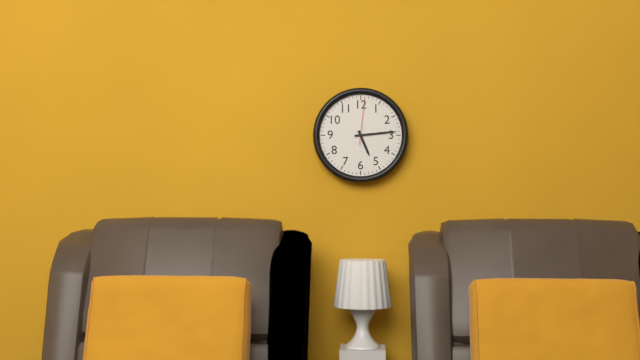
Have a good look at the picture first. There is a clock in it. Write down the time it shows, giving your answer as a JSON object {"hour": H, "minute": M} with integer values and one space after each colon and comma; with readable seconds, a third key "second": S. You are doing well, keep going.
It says {"hour": 5, "minute": 14}
